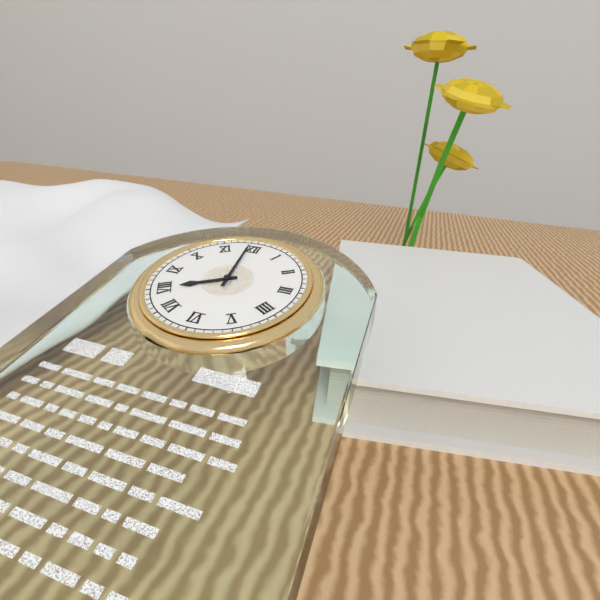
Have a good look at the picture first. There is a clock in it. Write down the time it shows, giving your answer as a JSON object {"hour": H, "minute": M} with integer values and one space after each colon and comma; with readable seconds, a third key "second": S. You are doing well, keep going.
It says {"hour": 7, "minute": 59}
